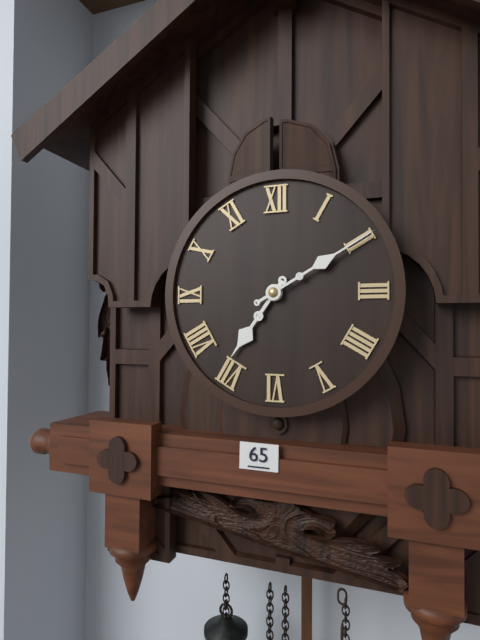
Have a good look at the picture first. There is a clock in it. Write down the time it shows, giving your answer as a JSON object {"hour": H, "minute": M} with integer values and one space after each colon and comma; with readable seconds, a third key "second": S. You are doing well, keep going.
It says {"hour": 7, "minute": 10}
